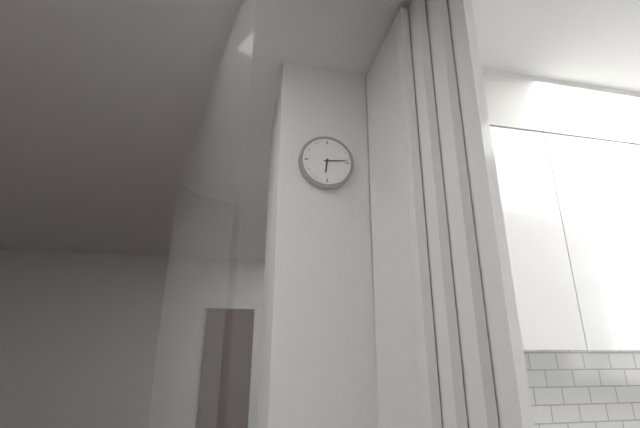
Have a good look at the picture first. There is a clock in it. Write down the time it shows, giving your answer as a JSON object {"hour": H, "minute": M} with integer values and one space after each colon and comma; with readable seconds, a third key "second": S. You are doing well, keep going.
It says {"hour": 6, "minute": 14}
